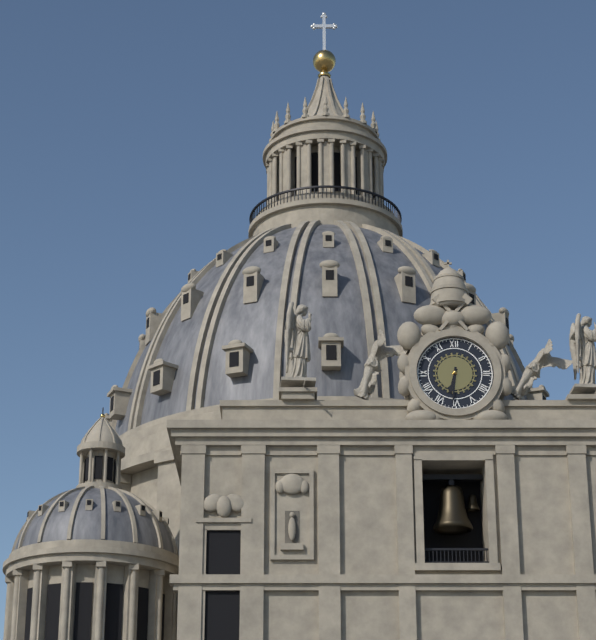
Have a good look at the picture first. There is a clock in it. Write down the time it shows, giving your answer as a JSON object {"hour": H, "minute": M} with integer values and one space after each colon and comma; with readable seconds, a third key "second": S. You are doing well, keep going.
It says {"hour": 6, "minute": 31}
